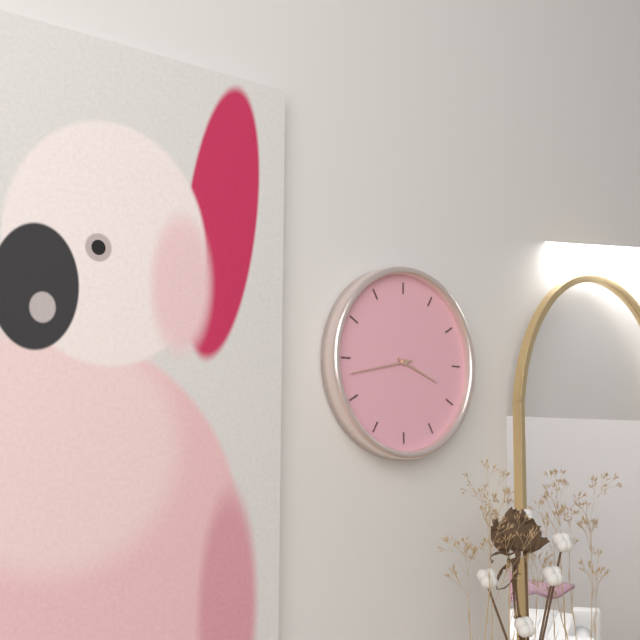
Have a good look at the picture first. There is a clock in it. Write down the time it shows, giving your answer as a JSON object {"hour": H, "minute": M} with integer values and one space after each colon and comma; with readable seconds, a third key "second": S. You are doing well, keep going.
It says {"hour": 3, "minute": 43}
